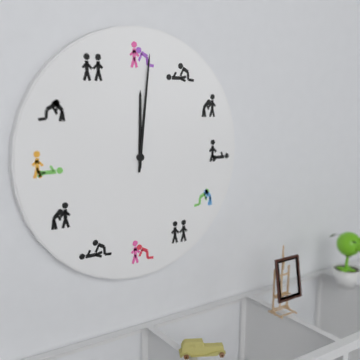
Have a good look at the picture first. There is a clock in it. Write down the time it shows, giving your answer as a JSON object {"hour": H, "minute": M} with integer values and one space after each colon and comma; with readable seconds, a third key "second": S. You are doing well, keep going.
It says {"hour": 12, "minute": 1}
